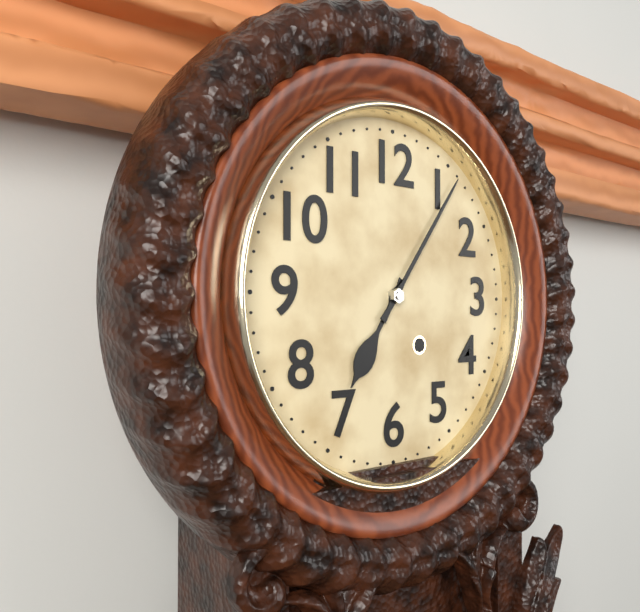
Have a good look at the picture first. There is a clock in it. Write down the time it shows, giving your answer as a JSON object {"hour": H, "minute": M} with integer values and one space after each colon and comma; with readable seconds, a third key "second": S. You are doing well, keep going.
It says {"hour": 7, "minute": 6}
